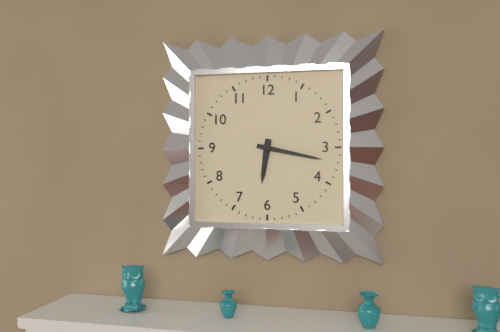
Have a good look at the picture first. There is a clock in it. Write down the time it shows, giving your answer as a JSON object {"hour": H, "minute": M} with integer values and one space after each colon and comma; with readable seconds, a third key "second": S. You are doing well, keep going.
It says {"hour": 6, "minute": 17}
